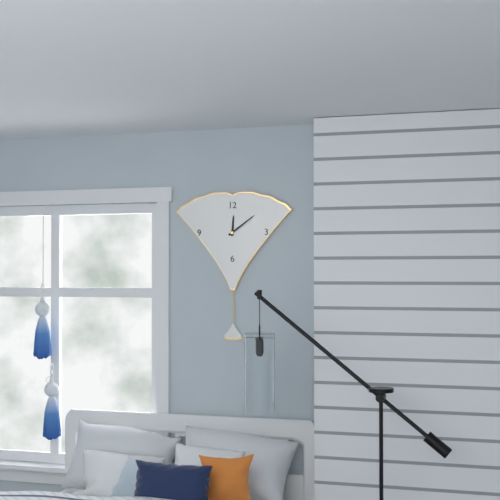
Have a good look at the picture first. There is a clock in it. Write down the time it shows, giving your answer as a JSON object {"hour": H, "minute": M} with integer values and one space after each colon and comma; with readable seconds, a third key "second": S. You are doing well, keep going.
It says {"hour": 12, "minute": 9}
